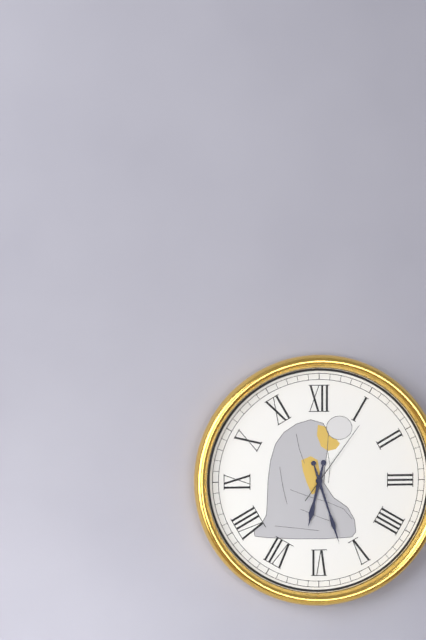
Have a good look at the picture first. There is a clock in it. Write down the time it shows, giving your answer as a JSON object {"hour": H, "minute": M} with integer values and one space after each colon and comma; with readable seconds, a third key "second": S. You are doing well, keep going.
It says {"hour": 6, "minute": 27, "second": 6}
